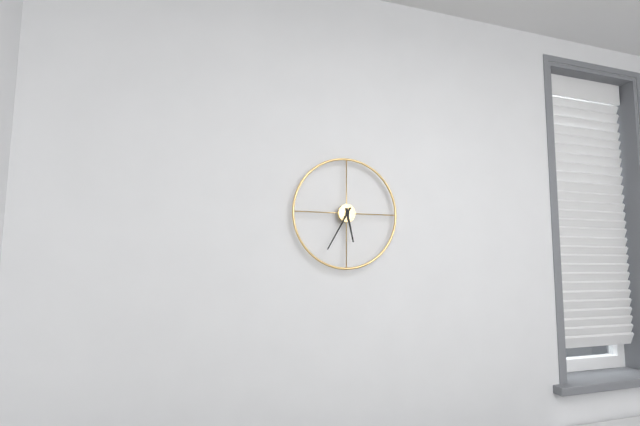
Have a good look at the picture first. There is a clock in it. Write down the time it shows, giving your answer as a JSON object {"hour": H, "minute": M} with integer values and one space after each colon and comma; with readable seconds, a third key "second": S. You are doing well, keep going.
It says {"hour": 5, "minute": 35}
